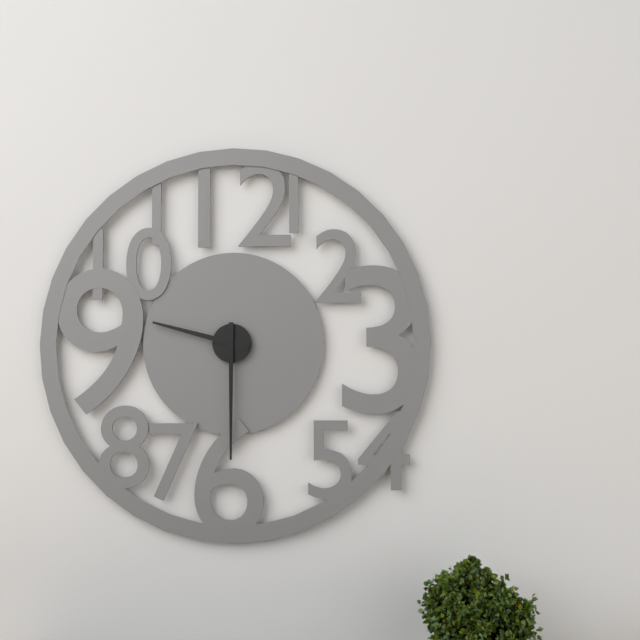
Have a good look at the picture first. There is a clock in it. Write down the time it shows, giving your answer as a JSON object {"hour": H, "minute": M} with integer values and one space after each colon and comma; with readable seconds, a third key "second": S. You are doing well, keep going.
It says {"hour": 9, "minute": 30}
